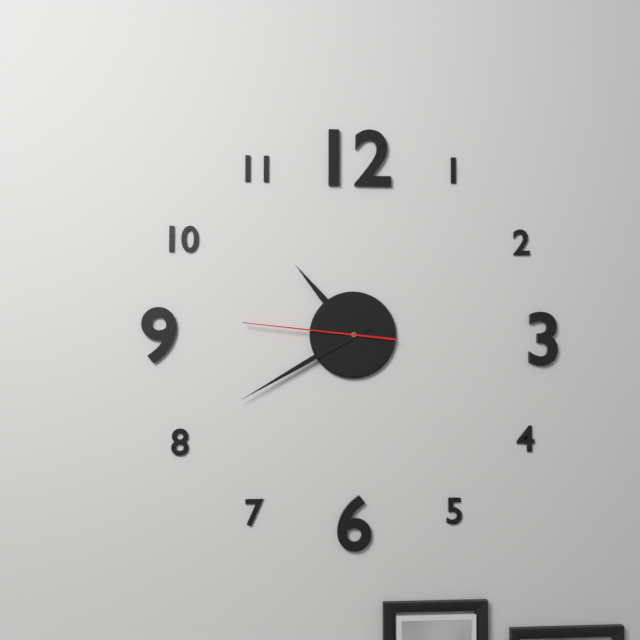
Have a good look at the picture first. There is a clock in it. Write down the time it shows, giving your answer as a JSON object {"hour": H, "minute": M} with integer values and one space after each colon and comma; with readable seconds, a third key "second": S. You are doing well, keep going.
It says {"hour": 10, "minute": 40, "second": 46}
